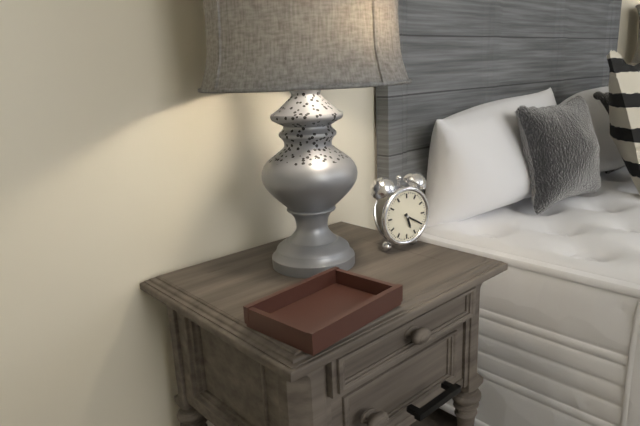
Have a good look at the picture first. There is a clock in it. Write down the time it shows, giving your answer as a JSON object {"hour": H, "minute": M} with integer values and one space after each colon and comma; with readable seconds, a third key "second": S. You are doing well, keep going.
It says {"hour": 5, "minute": 20}
